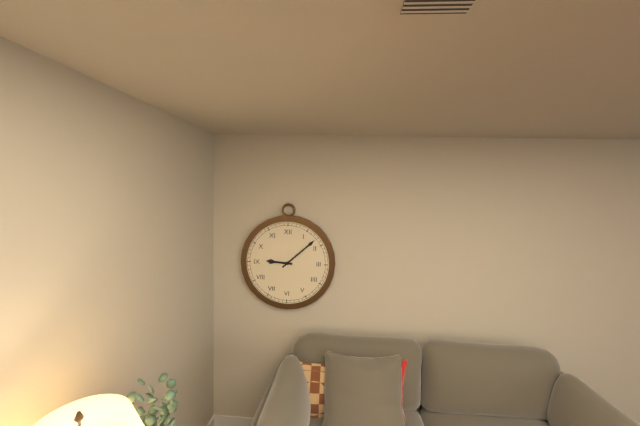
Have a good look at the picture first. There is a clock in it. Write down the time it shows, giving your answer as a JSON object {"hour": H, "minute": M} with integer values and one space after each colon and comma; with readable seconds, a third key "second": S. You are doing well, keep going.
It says {"hour": 9, "minute": 8}
